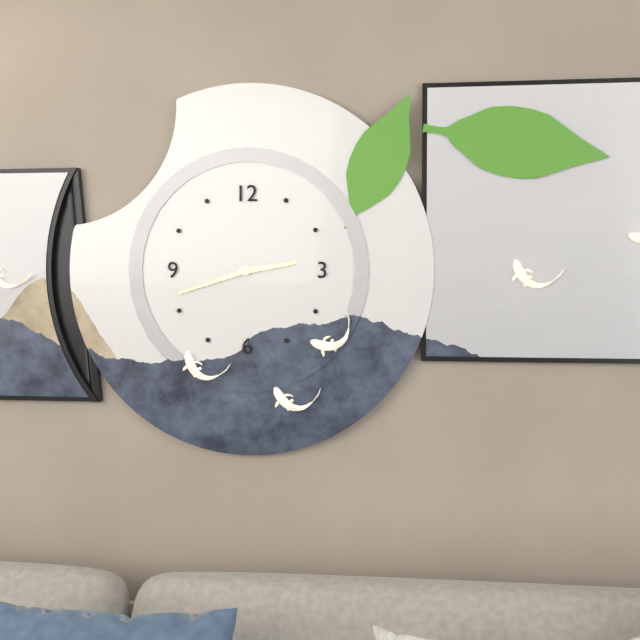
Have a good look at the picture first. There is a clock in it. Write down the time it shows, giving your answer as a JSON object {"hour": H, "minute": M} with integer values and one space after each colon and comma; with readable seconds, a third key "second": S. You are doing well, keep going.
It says {"hour": 2, "minute": 42}
